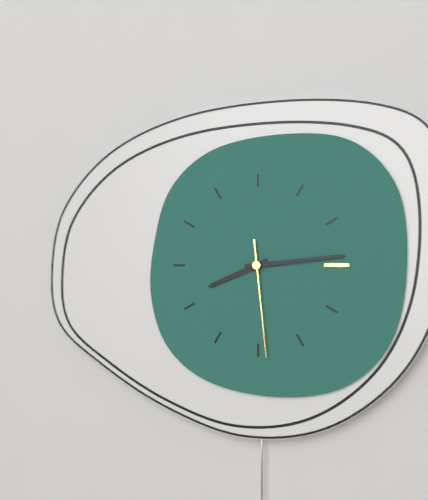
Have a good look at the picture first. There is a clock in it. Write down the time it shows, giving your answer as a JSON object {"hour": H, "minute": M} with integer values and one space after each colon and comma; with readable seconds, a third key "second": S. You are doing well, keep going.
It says {"hour": 8, "minute": 14, "second": 29}
